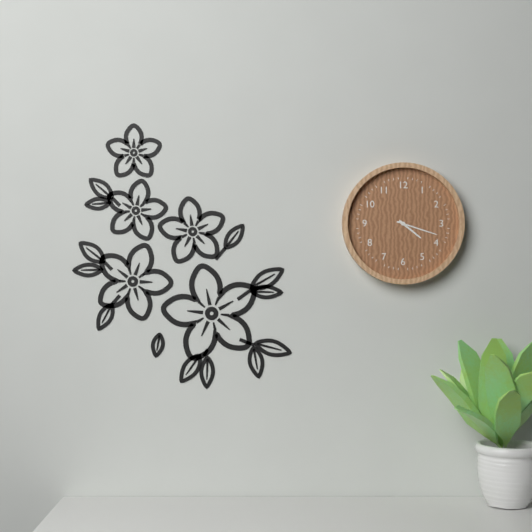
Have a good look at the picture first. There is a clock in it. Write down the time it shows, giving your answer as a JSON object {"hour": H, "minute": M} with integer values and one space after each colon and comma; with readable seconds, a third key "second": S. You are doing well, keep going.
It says {"hour": 4, "minute": 18}
